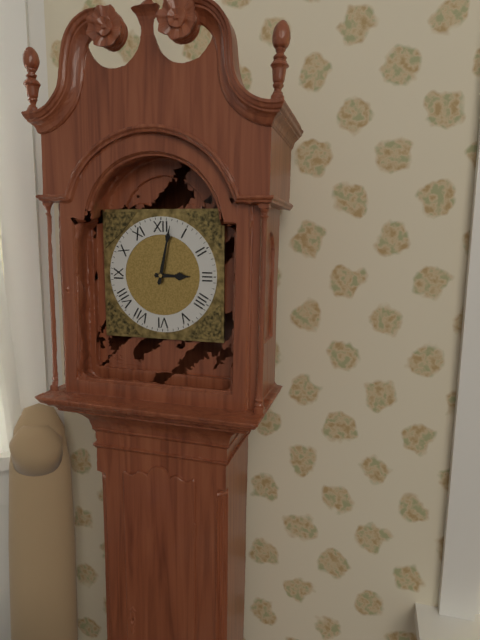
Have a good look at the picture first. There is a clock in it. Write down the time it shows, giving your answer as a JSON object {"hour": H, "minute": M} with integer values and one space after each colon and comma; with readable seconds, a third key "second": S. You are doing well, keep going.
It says {"hour": 3, "minute": 2}
